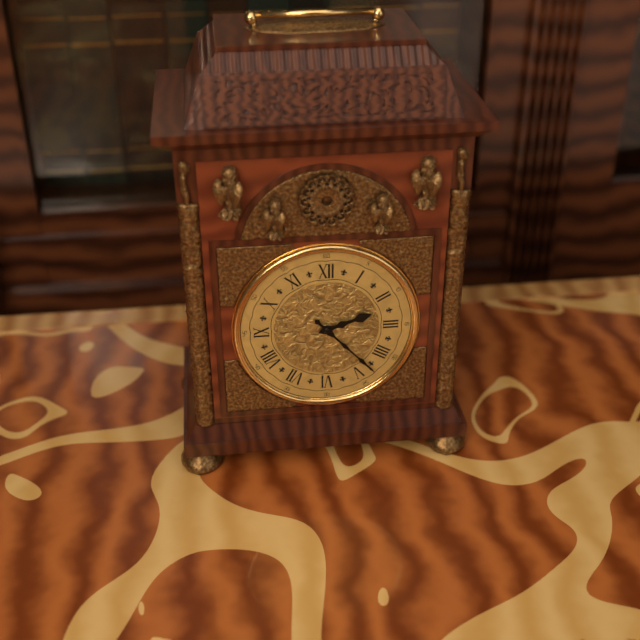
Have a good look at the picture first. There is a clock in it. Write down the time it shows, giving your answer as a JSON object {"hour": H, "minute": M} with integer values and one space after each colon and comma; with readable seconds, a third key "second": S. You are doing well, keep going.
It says {"hour": 2, "minute": 23}
